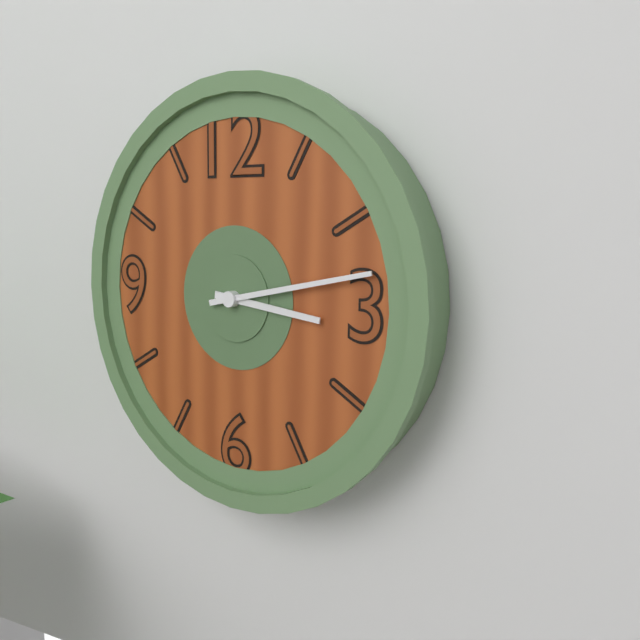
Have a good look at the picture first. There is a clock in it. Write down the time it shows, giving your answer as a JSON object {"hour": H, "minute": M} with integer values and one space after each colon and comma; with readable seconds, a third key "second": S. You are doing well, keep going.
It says {"hour": 3, "minute": 13}
